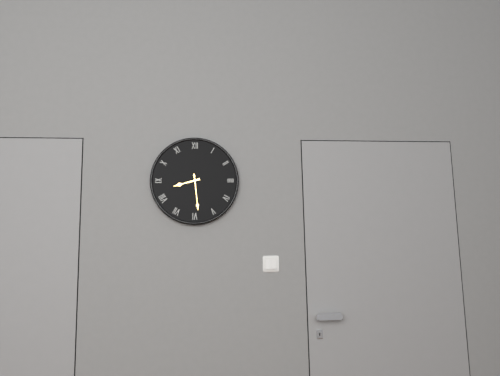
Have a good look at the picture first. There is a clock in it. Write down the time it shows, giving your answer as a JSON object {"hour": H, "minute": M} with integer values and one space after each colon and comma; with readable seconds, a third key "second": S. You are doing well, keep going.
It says {"hour": 8, "minute": 29}
